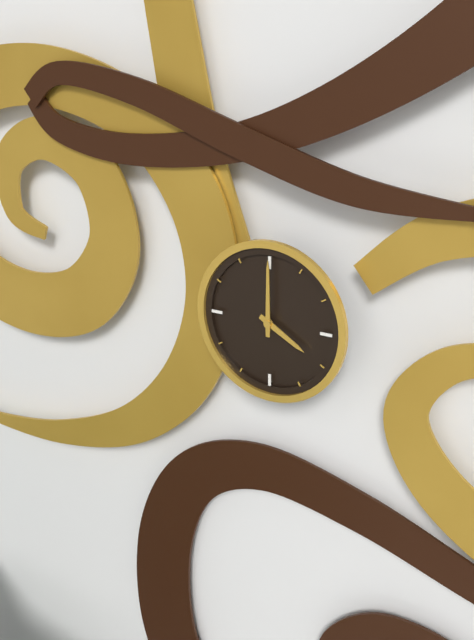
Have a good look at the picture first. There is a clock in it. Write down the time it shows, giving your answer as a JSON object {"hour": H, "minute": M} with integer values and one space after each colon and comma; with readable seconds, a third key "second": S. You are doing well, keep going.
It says {"hour": 4, "minute": 0}
